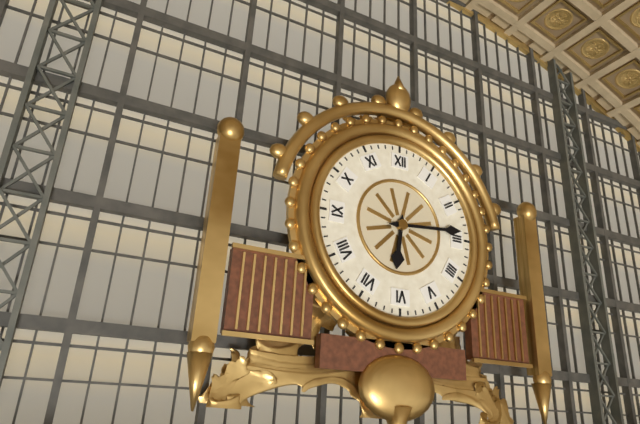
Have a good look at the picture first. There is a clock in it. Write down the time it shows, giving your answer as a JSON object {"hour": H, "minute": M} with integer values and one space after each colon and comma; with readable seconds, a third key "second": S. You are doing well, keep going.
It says {"hour": 6, "minute": 14}
